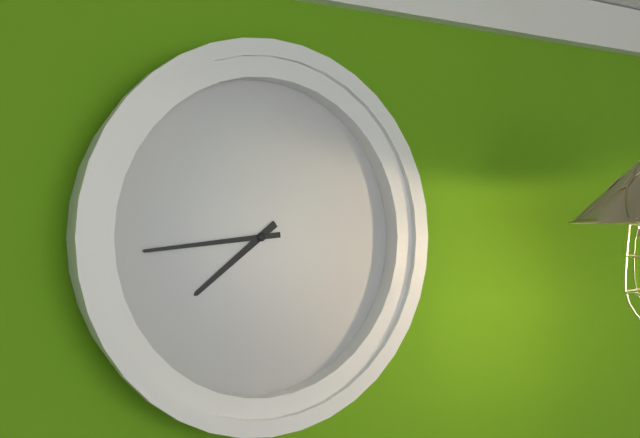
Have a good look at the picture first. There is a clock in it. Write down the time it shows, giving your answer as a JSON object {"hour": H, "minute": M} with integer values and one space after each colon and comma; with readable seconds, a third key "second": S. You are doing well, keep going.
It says {"hour": 7, "minute": 44}
